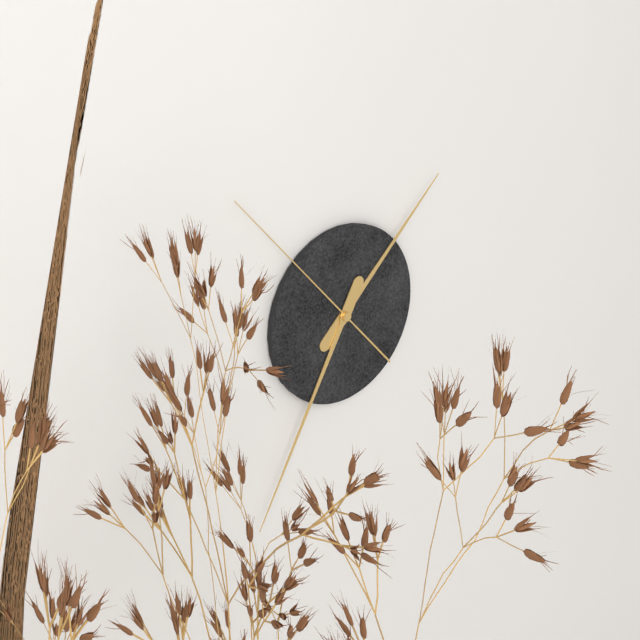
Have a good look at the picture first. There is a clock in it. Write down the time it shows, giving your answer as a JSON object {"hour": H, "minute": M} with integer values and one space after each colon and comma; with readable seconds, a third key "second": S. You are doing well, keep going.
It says {"hour": 1, "minute": 35, "second": 53}
